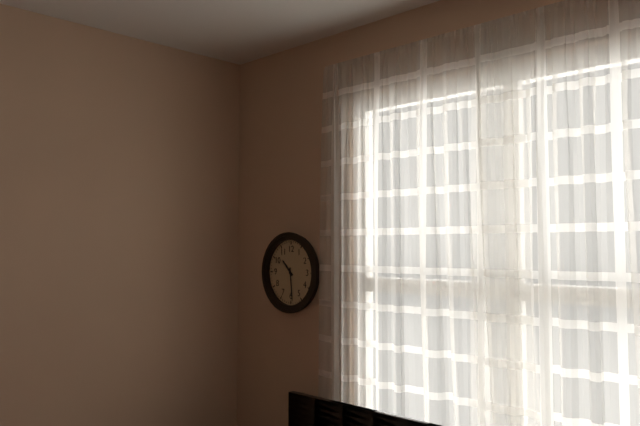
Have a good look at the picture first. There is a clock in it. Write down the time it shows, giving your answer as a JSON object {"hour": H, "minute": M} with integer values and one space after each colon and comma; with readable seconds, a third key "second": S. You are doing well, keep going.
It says {"hour": 10, "minute": 29}
